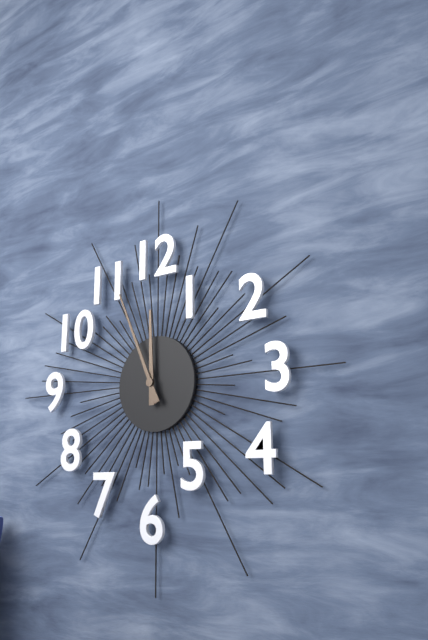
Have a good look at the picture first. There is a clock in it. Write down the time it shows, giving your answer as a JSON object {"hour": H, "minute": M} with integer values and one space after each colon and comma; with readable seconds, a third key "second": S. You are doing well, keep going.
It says {"hour": 11, "minute": 56}
